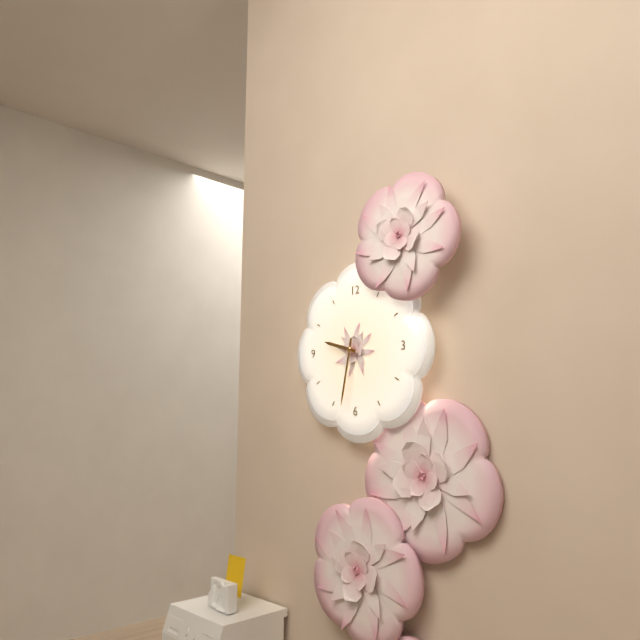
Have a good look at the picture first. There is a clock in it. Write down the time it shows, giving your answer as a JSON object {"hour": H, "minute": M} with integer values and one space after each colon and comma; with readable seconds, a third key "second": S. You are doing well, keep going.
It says {"hour": 9, "minute": 32}
